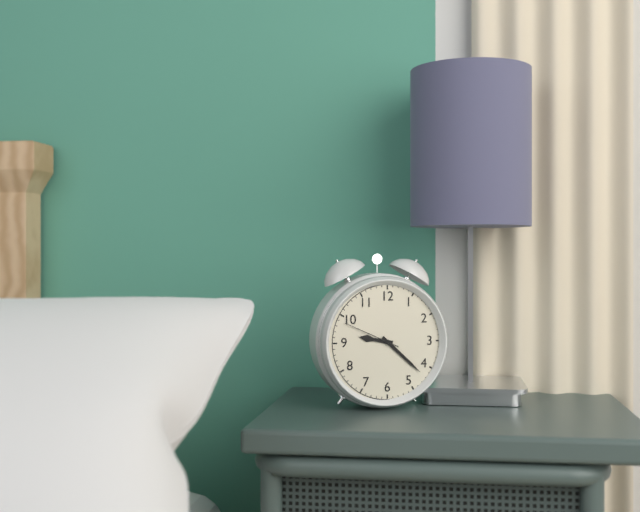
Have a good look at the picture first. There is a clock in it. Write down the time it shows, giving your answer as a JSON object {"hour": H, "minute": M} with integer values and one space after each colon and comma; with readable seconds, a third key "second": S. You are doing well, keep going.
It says {"hour": 9, "minute": 22, "second": 49}
